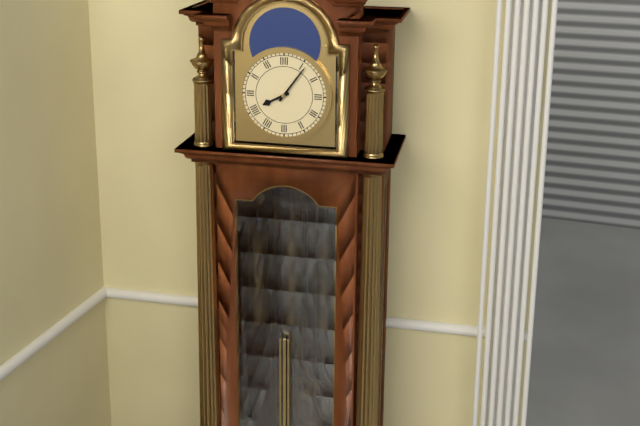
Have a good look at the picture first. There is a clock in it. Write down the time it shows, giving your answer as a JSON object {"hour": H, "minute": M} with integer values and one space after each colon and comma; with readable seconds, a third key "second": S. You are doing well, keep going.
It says {"hour": 8, "minute": 6}
